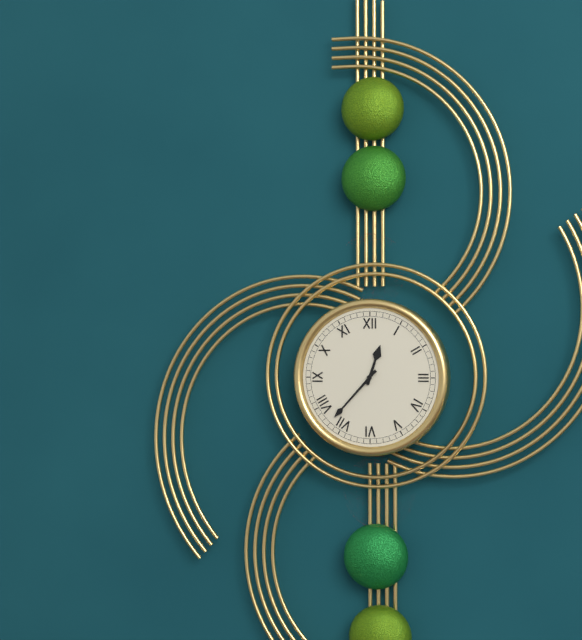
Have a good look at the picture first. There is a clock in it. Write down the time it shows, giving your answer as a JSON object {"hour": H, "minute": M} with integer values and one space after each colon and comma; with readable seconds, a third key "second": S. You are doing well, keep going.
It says {"hour": 12, "minute": 37}
